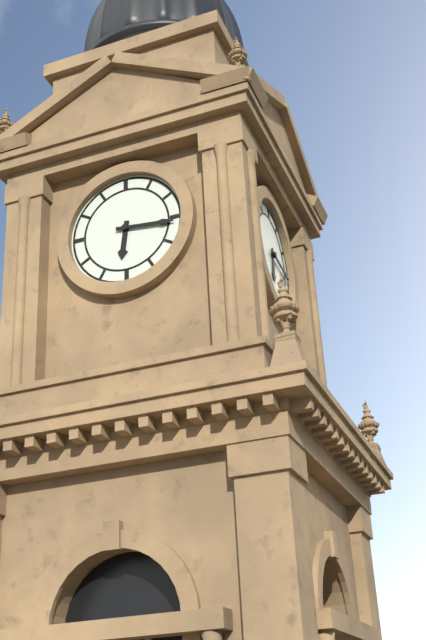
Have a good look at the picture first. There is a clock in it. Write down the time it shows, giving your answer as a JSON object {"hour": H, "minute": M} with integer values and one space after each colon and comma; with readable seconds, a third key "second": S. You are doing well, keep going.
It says {"hour": 6, "minute": 16}
